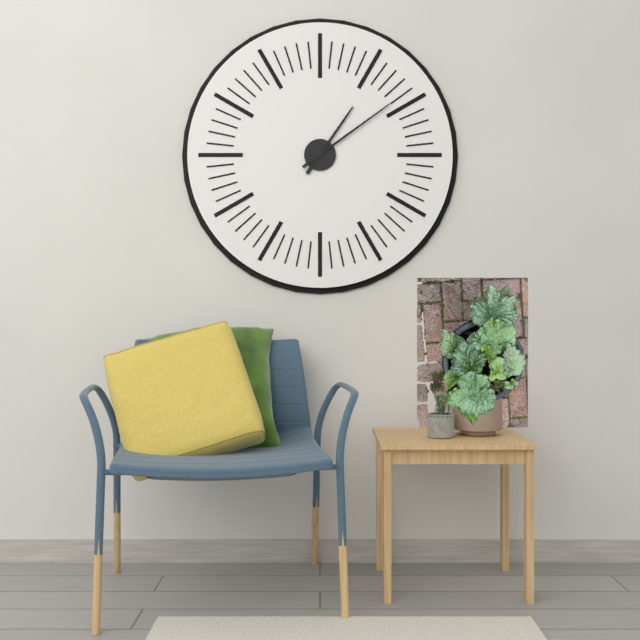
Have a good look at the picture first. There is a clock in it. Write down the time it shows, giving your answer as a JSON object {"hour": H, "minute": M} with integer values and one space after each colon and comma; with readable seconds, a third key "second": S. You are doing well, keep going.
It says {"hour": 1, "minute": 9}
